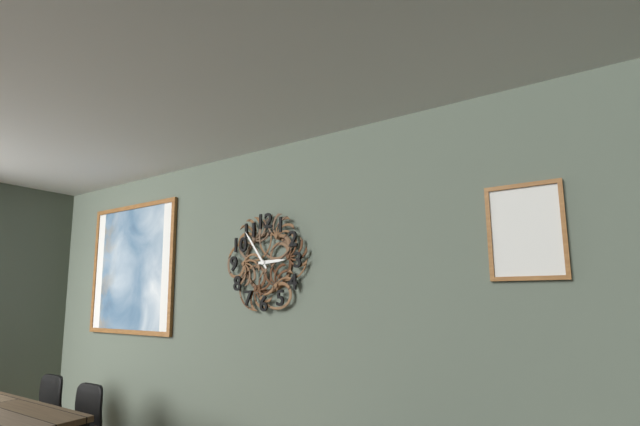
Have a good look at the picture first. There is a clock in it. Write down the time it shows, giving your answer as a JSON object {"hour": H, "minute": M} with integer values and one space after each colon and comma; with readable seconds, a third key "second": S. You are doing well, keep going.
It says {"hour": 2, "minute": 54}
